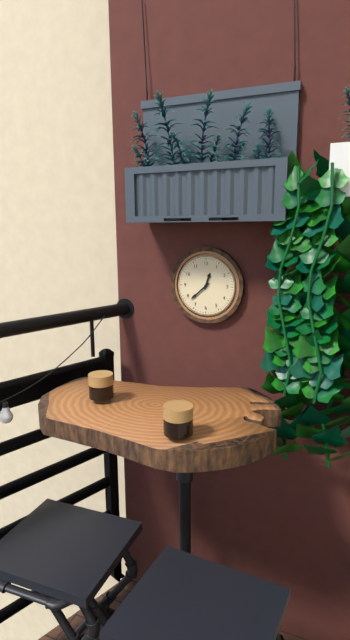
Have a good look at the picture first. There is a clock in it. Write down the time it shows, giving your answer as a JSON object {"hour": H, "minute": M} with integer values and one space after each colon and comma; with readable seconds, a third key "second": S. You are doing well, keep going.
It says {"hour": 12, "minute": 38}
